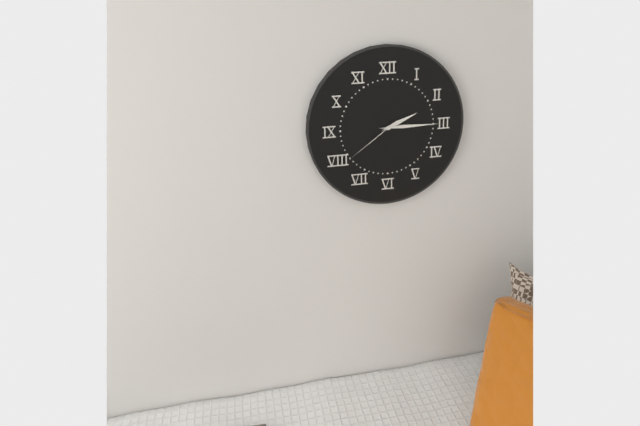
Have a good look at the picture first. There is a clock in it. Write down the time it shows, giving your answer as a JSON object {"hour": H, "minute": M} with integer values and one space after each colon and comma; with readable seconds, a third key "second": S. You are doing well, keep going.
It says {"hour": 2, "minute": 15, "second": 39}
